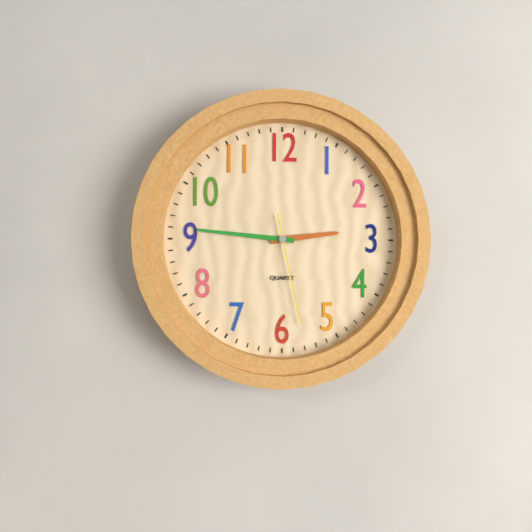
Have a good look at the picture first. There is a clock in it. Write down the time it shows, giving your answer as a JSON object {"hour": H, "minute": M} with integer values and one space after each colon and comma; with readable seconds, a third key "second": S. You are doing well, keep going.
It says {"hour": 2, "minute": 46, "second": 28}
